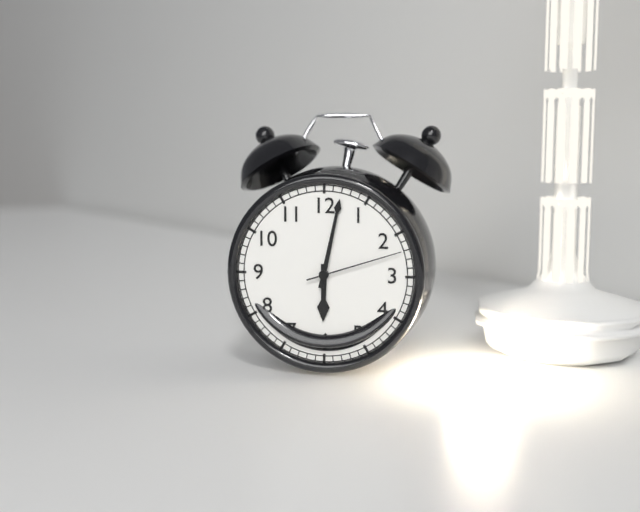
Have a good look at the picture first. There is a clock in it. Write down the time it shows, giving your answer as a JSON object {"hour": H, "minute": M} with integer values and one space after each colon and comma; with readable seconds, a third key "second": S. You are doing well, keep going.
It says {"hour": 6, "minute": 2, "second": 12}
